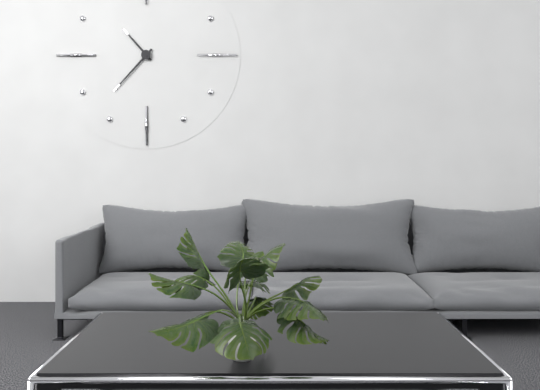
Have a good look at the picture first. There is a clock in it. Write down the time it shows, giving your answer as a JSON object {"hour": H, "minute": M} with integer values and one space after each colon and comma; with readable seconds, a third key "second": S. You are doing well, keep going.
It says {"hour": 10, "minute": 37}
